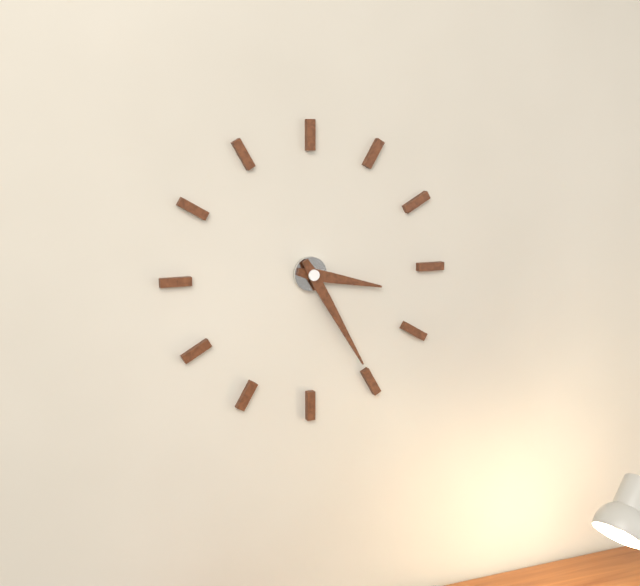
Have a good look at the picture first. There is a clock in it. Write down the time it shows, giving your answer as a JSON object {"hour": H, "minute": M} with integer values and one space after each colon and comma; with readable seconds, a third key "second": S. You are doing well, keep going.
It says {"hour": 3, "minute": 25}
